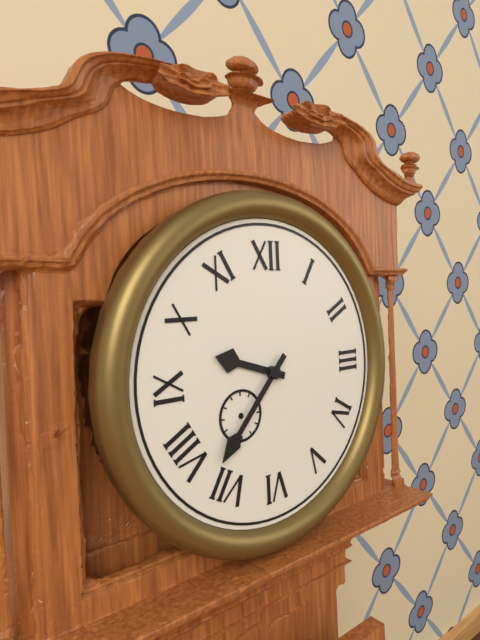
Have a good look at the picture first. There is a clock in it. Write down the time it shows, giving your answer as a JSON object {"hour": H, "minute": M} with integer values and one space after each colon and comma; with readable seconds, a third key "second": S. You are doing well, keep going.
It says {"hour": 9, "minute": 37}
